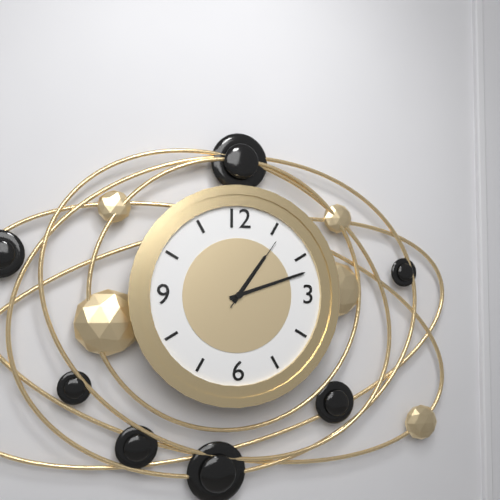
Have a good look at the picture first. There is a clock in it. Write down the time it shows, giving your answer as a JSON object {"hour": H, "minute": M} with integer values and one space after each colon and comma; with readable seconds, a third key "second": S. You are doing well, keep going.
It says {"hour": 1, "minute": 12, "second": 6}
